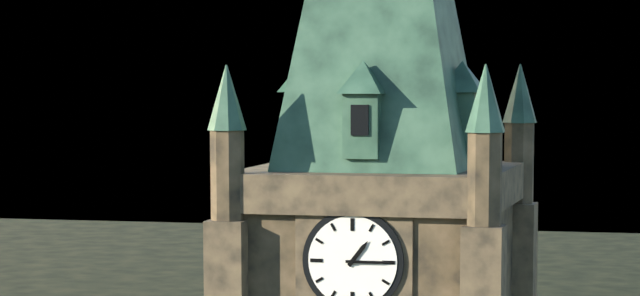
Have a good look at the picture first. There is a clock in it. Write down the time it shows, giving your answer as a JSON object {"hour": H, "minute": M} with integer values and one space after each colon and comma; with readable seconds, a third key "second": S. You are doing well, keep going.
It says {"hour": 1, "minute": 15}
